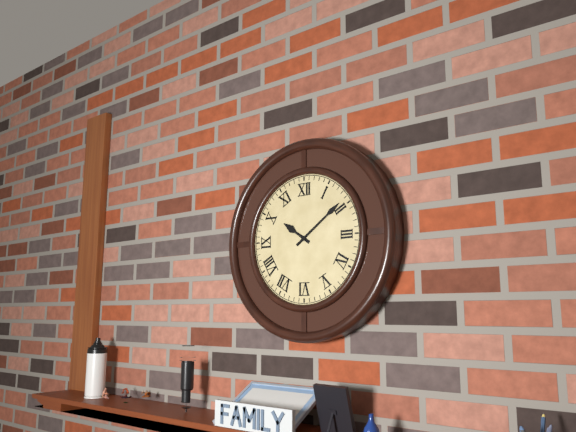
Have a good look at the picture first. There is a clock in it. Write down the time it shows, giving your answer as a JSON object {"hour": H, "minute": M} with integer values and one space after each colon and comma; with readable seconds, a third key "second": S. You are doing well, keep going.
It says {"hour": 10, "minute": 9}
